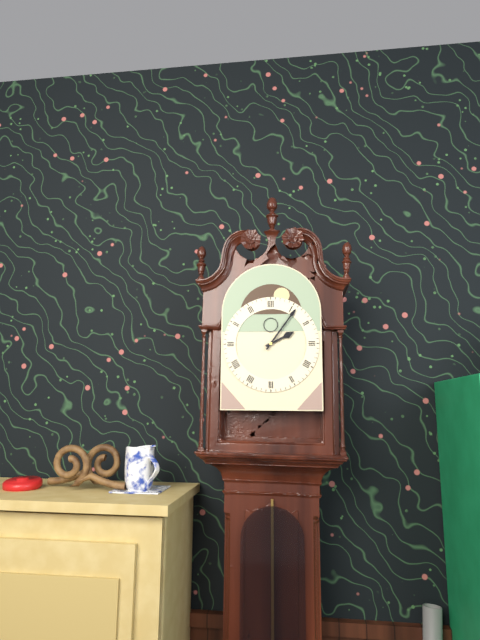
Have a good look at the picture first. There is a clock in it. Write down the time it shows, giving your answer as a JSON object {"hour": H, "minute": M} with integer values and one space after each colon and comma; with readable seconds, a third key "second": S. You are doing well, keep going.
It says {"hour": 2, "minute": 6}
